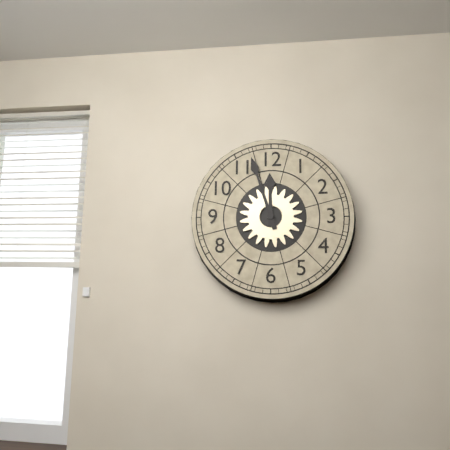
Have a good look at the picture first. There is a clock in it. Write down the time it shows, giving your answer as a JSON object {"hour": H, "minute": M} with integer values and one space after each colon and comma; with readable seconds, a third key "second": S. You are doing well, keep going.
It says {"hour": 11, "minute": 57}
